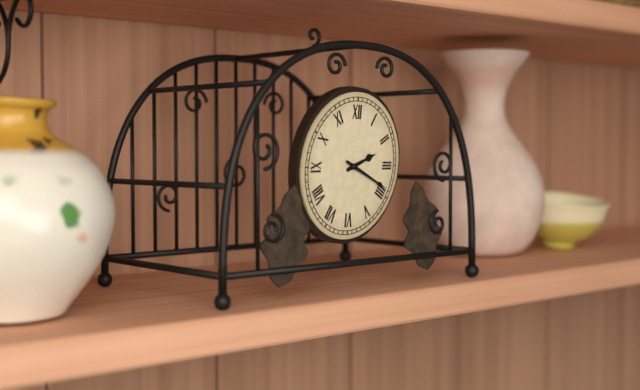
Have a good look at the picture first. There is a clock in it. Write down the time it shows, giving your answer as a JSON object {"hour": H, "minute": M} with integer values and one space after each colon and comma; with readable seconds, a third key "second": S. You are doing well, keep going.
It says {"hour": 2, "minute": 19}
